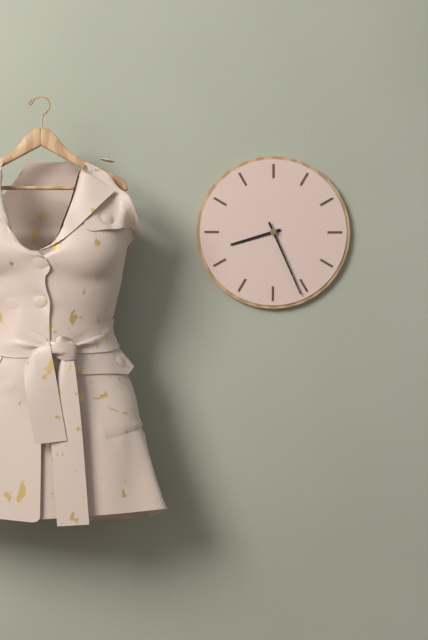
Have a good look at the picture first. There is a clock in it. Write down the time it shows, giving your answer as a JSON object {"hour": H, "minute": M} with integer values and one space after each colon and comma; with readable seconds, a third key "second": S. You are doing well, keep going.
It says {"hour": 8, "minute": 26}
